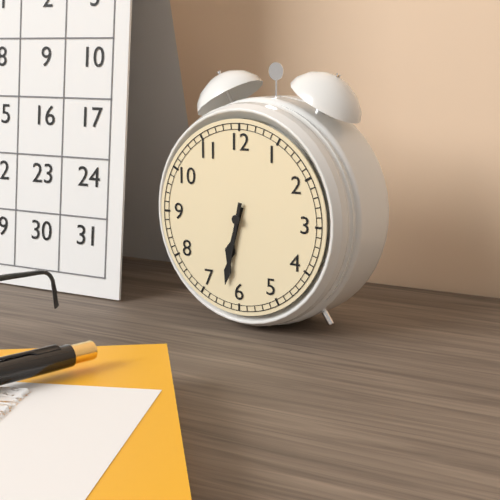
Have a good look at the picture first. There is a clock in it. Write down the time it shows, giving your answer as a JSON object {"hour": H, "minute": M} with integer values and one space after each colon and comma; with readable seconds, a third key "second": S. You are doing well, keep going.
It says {"hour": 6, "minute": 32}
